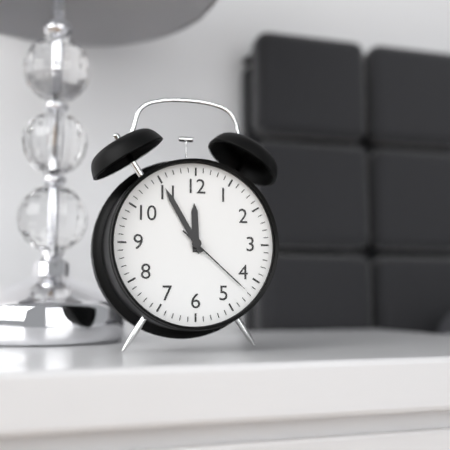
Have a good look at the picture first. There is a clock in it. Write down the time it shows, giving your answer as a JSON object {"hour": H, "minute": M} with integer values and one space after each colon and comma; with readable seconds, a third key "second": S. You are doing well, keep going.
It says {"hour": 11, "minute": 55, "second": 22}
